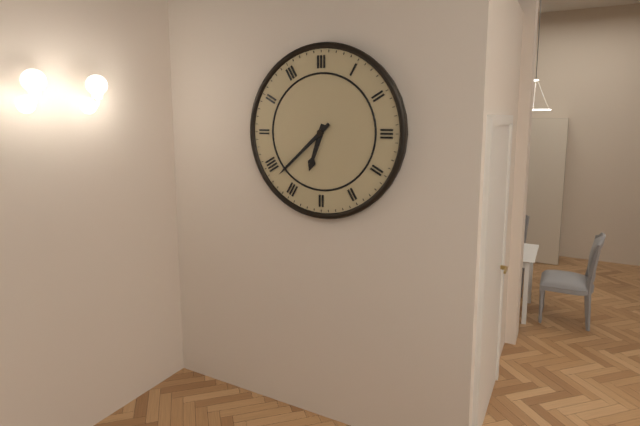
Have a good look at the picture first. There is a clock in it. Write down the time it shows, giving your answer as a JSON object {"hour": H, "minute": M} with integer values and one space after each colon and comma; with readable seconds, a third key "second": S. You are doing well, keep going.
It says {"hour": 6, "minute": 38}
